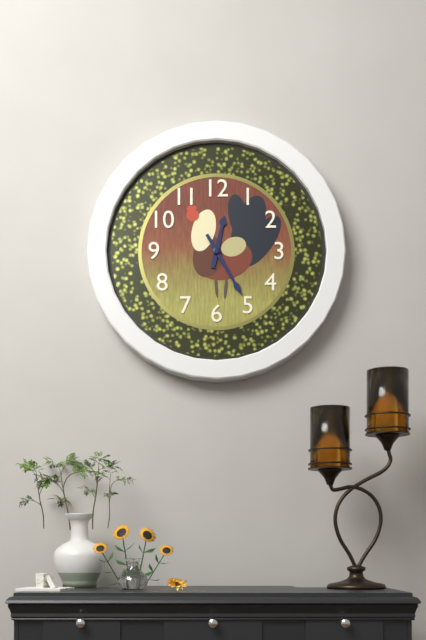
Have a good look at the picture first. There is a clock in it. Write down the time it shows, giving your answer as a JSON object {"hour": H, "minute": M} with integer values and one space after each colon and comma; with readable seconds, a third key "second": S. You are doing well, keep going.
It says {"hour": 12, "minute": 25}
